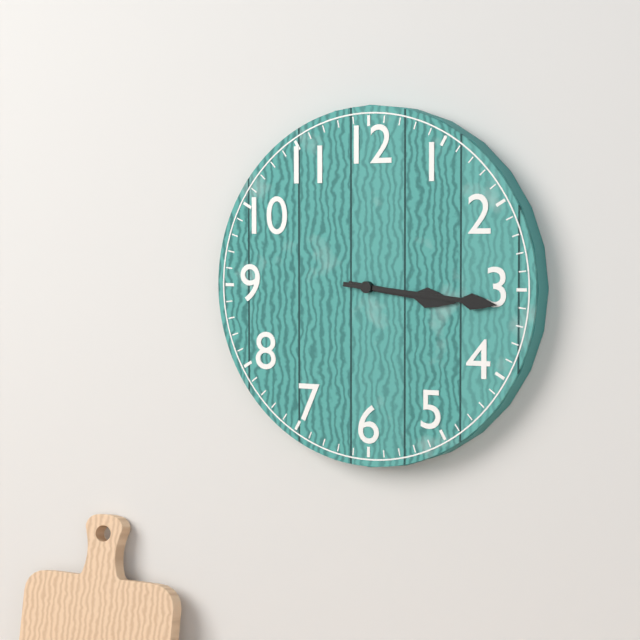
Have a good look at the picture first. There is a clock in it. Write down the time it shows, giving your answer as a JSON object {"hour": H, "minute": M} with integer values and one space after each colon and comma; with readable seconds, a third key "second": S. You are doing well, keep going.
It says {"hour": 3, "minute": 16}
